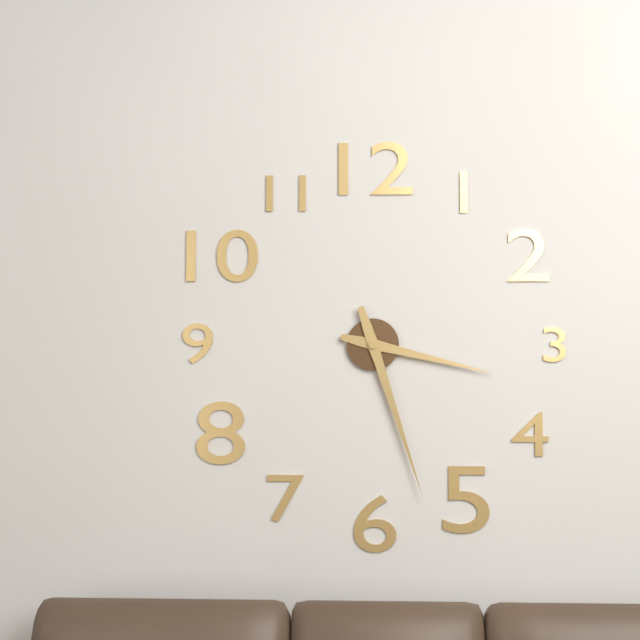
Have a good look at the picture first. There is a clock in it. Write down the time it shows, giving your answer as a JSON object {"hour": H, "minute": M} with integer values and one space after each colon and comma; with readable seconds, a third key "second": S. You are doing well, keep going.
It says {"hour": 3, "minute": 27}
